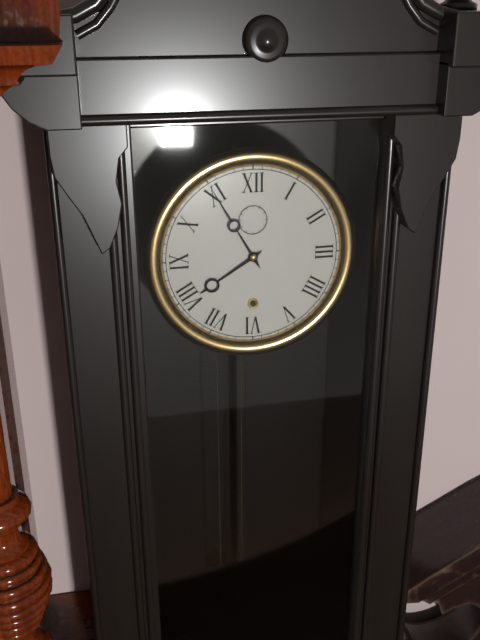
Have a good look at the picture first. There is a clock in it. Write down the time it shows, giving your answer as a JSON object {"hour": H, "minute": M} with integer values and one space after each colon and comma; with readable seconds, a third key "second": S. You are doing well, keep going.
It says {"hour": 7, "minute": 55}
